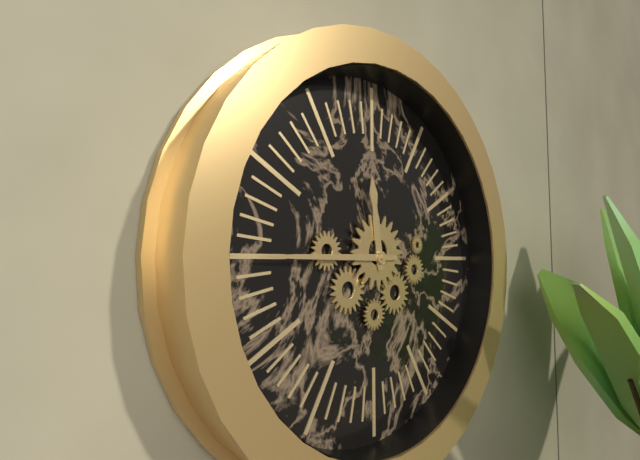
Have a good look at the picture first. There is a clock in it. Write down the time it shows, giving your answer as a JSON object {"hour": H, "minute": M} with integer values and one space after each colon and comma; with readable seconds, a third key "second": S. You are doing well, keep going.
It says {"hour": 11, "minute": 45}
